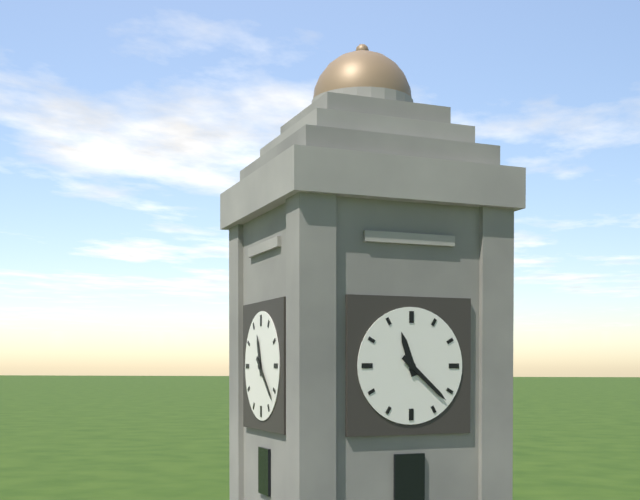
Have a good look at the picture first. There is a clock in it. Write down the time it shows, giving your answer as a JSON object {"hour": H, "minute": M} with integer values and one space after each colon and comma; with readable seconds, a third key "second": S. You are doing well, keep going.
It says {"hour": 11, "minute": 22}
